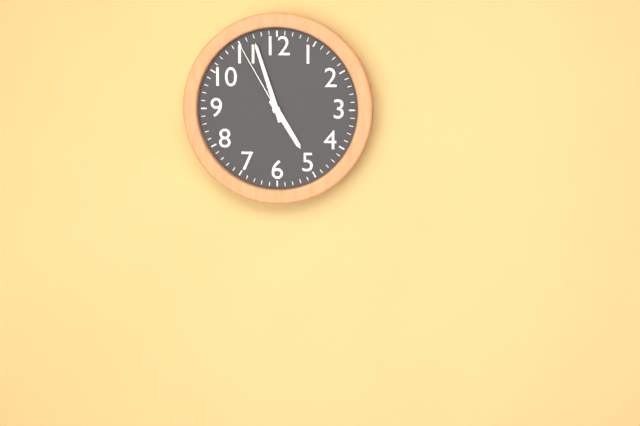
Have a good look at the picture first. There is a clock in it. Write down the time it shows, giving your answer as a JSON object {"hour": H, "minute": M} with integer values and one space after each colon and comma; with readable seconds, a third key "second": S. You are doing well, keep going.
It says {"hour": 4, "minute": 57, "second": 55}
